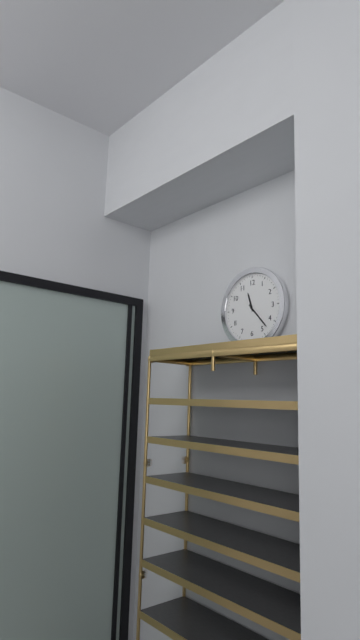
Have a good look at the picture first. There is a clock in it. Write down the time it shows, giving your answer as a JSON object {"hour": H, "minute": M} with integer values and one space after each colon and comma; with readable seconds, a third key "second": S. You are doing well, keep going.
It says {"hour": 11, "minute": 23}
